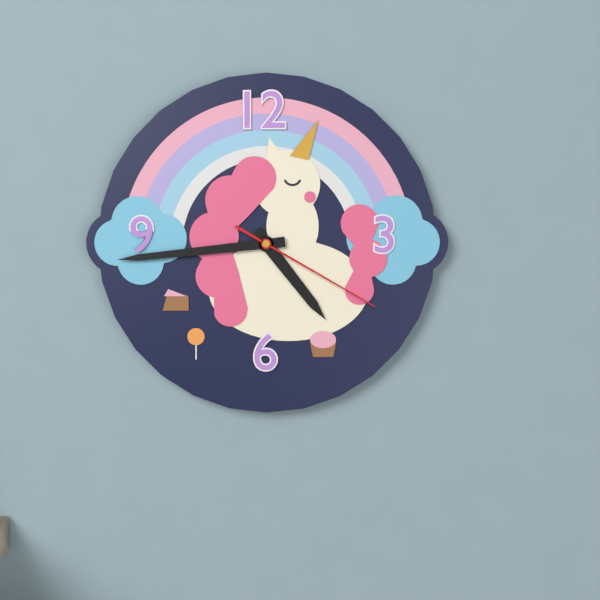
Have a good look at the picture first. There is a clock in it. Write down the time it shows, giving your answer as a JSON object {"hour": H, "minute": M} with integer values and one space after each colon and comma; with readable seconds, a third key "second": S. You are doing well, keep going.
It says {"hour": 4, "minute": 44, "second": 20}
